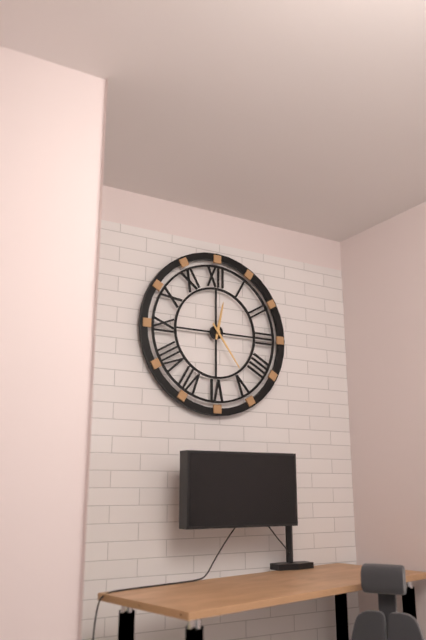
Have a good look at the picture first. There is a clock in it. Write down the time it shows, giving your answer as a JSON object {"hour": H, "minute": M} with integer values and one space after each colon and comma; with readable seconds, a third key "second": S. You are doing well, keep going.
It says {"hour": 12, "minute": 24}
